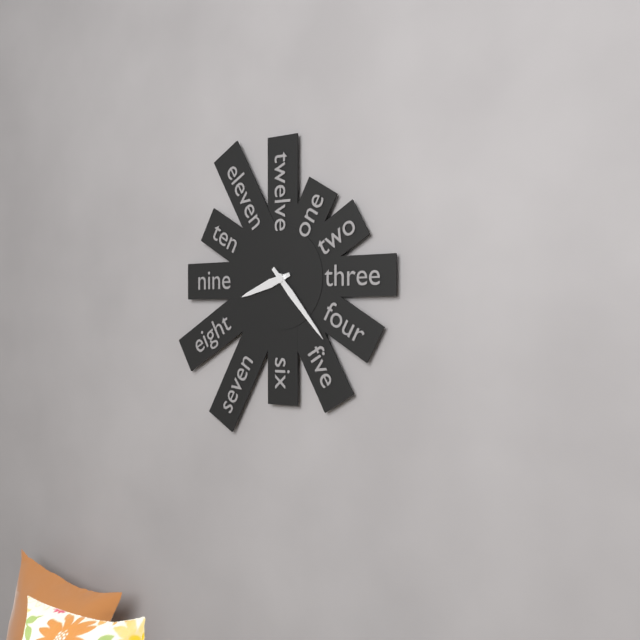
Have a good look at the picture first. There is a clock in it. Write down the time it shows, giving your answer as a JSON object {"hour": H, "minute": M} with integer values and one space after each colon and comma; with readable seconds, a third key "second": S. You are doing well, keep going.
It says {"hour": 8, "minute": 23}
